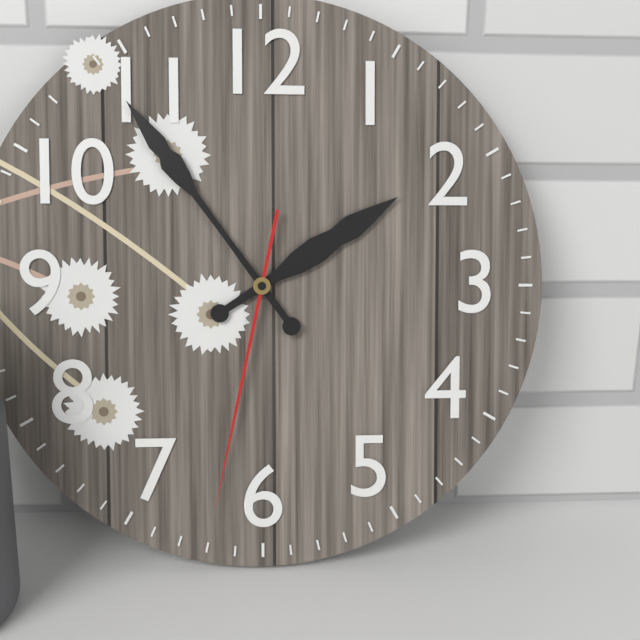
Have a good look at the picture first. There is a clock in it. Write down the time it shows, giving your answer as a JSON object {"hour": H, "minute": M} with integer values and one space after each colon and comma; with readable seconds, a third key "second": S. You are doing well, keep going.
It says {"hour": 1, "minute": 54, "second": 32}
